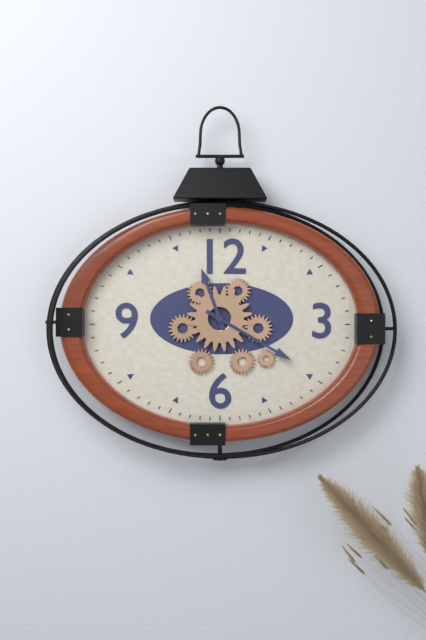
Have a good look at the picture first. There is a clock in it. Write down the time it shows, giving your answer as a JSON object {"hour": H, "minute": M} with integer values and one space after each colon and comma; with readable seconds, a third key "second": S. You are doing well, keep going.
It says {"hour": 11, "minute": 20}
